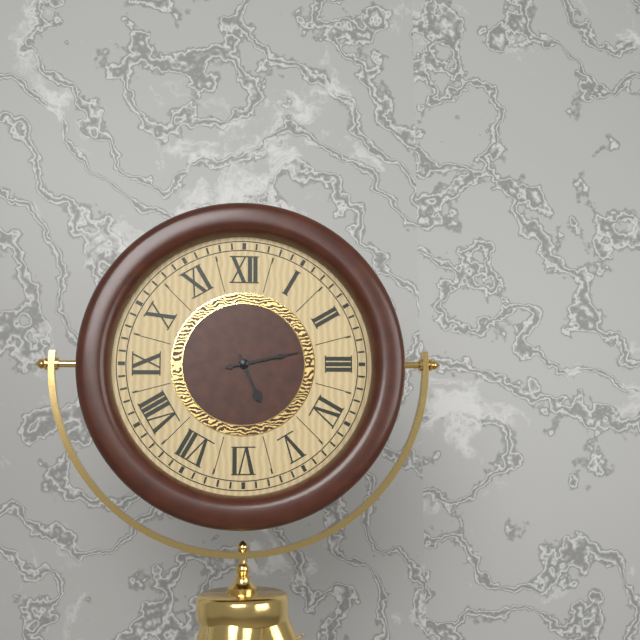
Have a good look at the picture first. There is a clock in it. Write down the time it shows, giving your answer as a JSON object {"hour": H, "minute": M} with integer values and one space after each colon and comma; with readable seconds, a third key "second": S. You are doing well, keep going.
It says {"hour": 5, "minute": 13}
